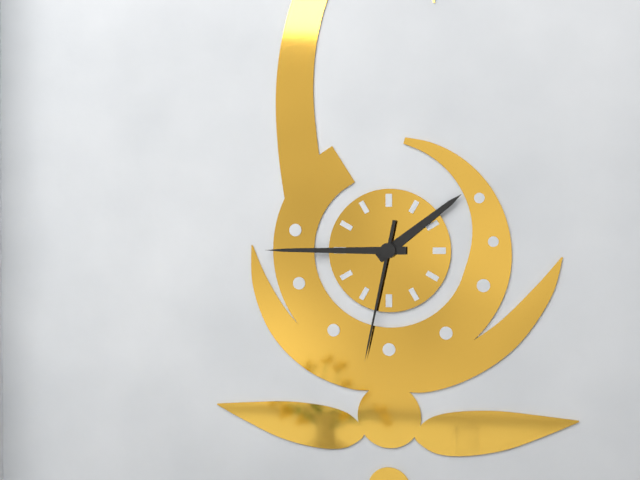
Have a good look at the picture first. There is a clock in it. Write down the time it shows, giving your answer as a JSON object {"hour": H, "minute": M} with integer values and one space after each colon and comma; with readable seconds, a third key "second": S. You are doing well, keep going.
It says {"hour": 1, "minute": 45, "second": 32}
